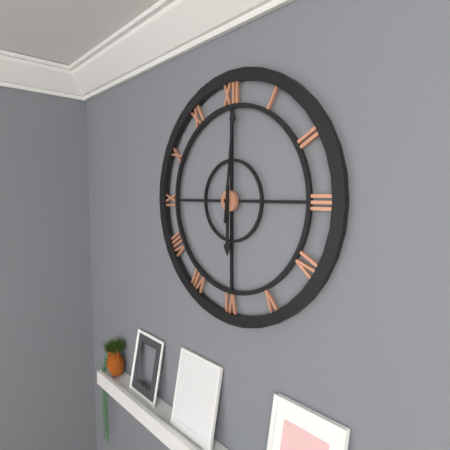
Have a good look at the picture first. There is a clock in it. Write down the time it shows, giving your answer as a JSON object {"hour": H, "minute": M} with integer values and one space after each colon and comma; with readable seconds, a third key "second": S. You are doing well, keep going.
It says {"hour": 6, "minute": 1}
